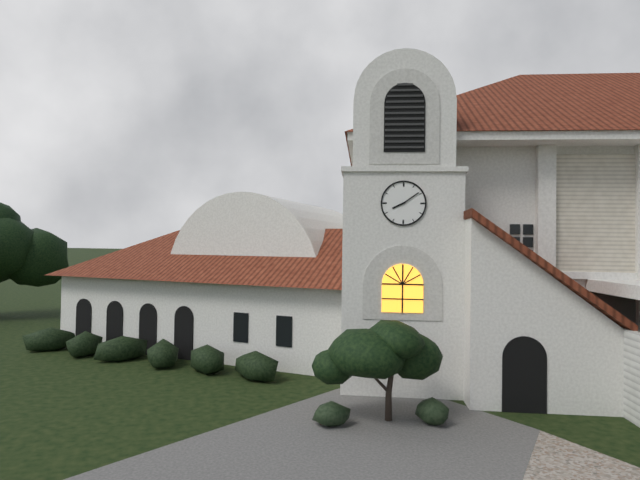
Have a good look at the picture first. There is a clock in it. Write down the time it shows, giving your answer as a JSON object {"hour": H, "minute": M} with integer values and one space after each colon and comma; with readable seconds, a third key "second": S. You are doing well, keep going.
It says {"hour": 8, "minute": 9}
